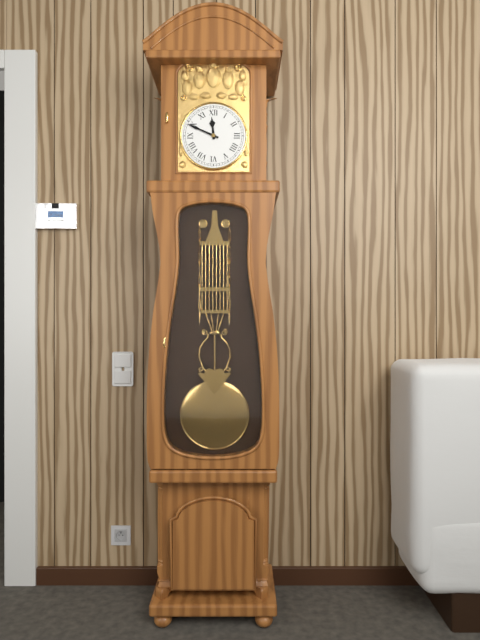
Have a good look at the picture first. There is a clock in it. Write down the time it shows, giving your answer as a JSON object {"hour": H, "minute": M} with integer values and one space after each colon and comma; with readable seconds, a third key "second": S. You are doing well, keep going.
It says {"hour": 11, "minute": 49}
